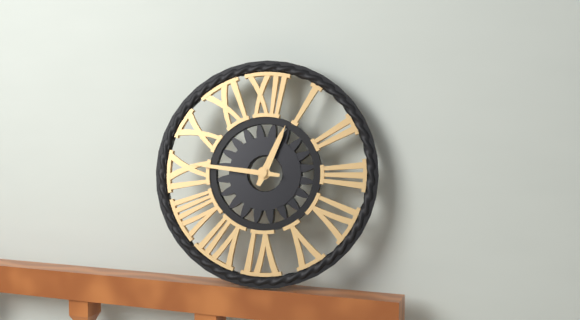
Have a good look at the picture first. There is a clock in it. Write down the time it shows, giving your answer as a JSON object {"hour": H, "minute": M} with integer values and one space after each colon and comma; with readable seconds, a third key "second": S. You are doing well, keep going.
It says {"hour": 12, "minute": 46}
